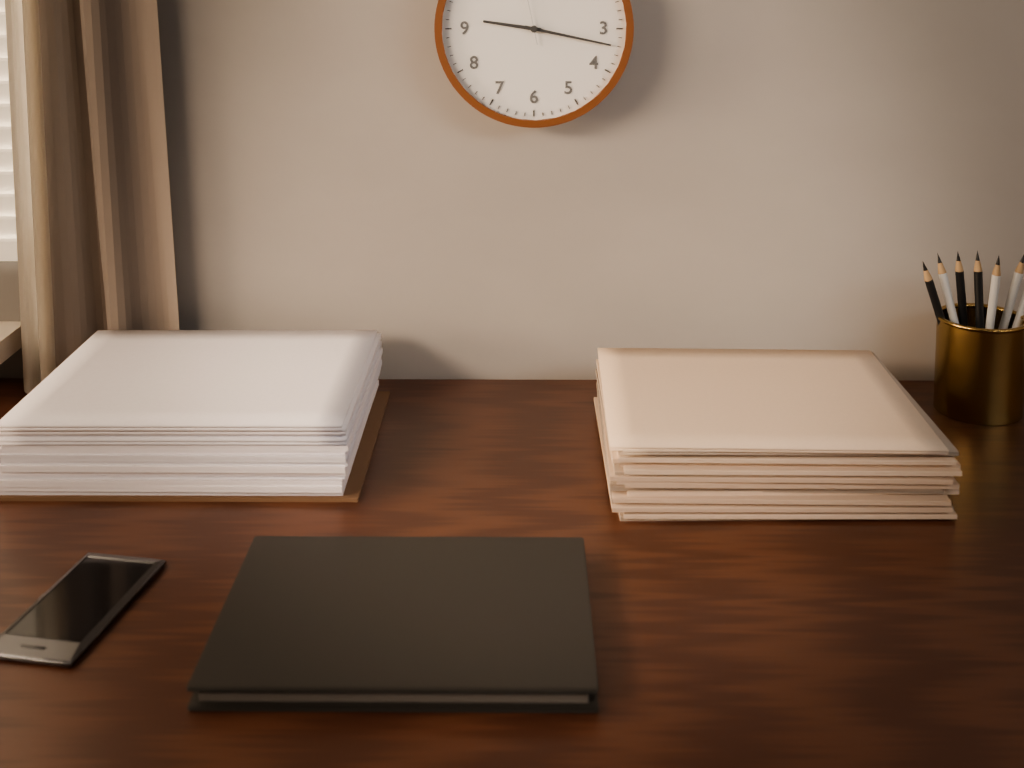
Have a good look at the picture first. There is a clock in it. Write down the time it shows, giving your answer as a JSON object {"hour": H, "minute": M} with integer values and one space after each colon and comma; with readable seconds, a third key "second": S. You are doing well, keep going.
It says {"hour": 9, "minute": 17}
